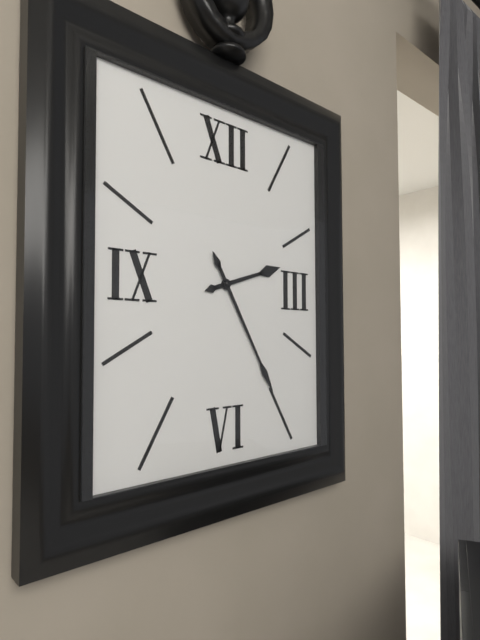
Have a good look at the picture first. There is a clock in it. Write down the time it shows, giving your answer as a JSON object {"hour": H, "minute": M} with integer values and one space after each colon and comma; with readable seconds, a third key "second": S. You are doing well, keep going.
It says {"hour": 2, "minute": 25}
